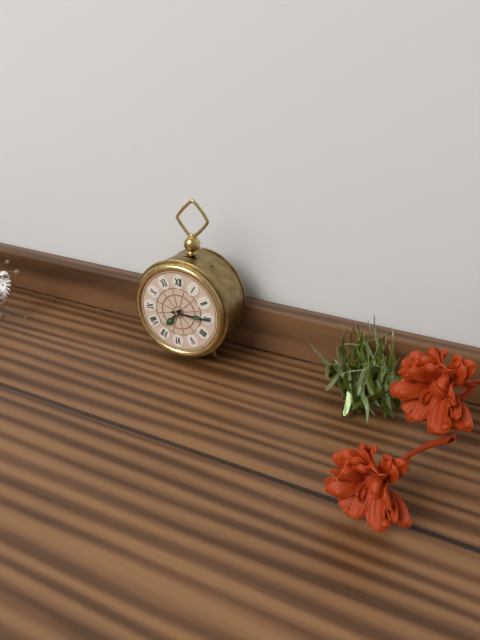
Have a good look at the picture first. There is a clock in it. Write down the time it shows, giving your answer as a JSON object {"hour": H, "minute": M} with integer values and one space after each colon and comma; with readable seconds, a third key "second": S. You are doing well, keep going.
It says {"hour": 7, "minute": 15}
